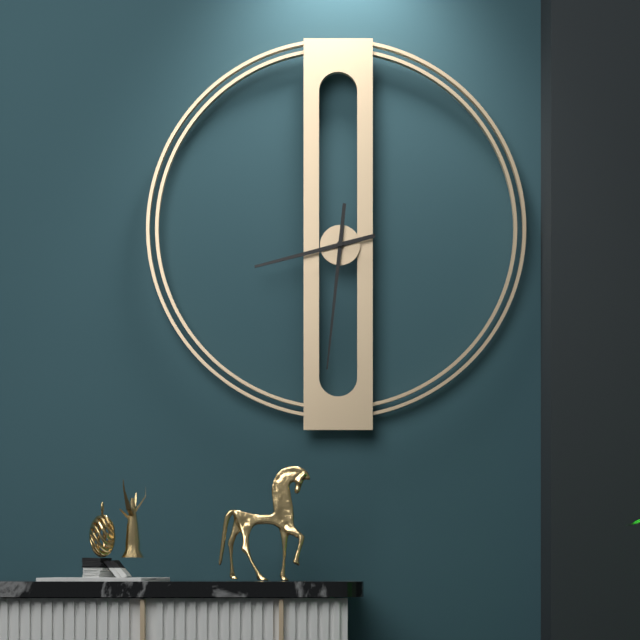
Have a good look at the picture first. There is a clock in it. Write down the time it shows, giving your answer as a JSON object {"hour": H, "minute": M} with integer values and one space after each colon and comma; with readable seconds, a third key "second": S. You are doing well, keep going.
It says {"hour": 8, "minute": 31}
